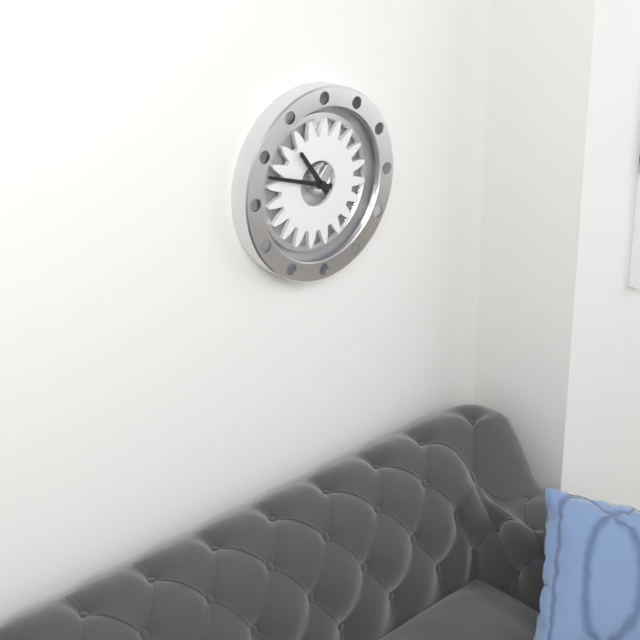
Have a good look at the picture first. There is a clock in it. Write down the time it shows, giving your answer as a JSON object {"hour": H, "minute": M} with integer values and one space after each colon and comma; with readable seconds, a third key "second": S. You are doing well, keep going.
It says {"hour": 10, "minute": 48}
